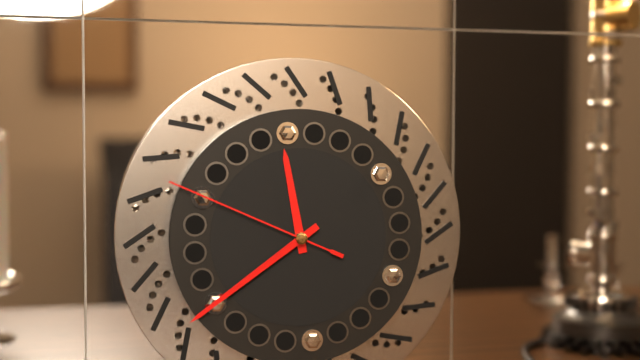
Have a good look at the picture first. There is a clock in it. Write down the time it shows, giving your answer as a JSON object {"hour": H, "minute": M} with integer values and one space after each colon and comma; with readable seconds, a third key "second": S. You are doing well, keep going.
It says {"hour": 11, "minute": 39, "second": 49}
